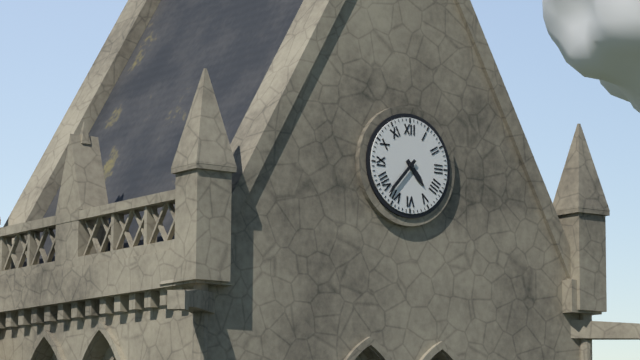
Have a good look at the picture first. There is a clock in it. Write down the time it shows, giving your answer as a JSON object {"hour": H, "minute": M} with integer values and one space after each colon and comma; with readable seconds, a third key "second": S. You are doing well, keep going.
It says {"hour": 4, "minute": 37}
